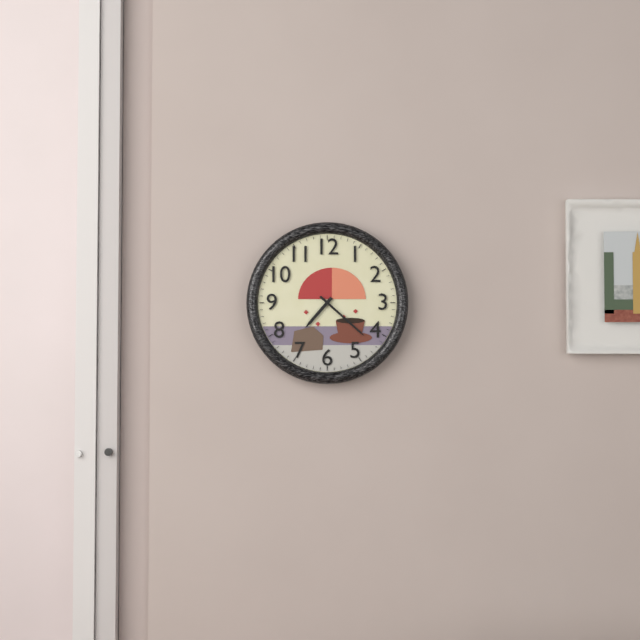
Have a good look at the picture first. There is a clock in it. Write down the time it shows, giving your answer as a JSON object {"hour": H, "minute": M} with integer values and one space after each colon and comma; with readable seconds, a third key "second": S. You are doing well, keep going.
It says {"hour": 7, "minute": 22}
